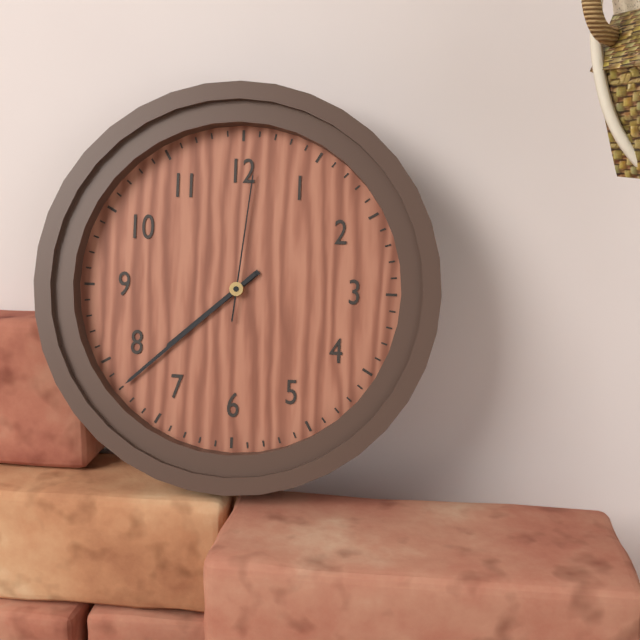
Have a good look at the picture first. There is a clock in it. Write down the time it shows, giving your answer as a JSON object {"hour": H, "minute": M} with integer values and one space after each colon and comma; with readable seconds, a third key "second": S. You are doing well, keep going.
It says {"hour": 7, "minute": 38, "second": 1}
